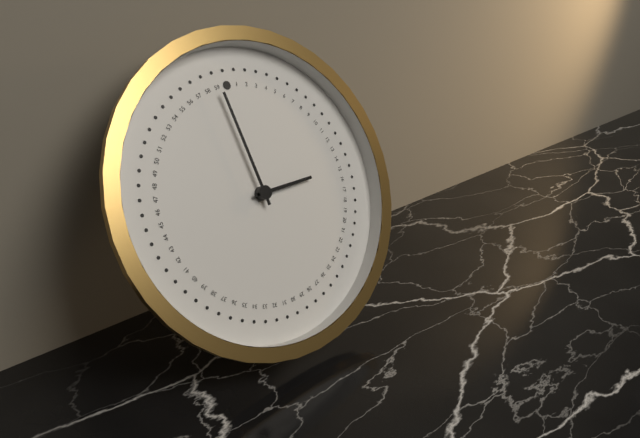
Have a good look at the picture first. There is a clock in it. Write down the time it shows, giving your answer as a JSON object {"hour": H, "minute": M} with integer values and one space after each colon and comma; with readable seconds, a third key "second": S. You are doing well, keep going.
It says {"hour": 2, "minute": 59}
